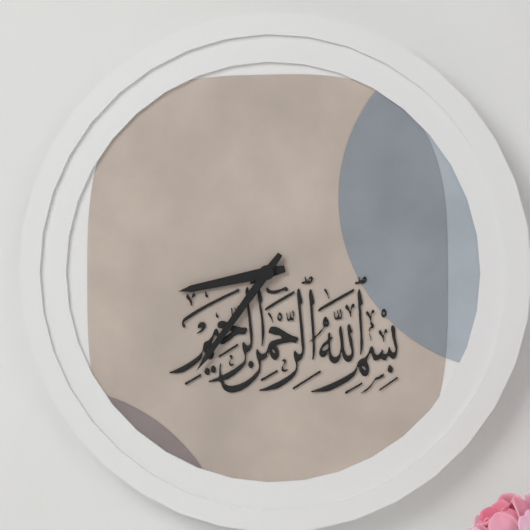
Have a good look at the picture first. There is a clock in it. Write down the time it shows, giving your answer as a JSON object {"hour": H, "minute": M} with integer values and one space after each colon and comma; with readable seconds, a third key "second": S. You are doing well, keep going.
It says {"hour": 8, "minute": 36}
